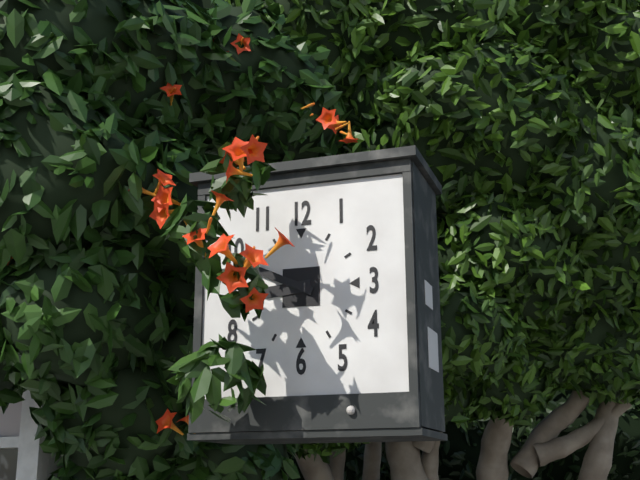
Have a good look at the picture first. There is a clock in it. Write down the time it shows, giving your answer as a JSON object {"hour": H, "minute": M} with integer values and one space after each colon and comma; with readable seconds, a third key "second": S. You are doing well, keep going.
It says {"hour": 8, "minute": 49}
